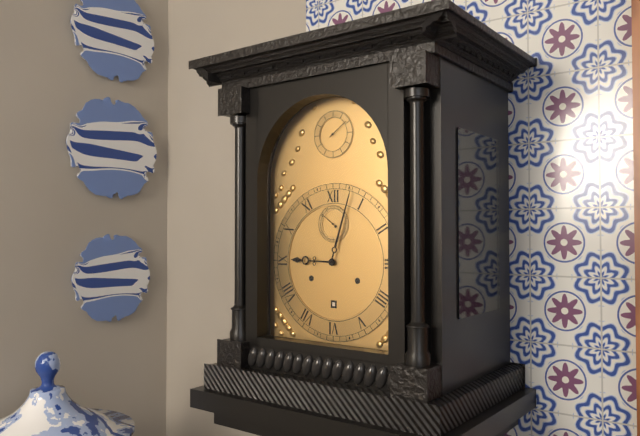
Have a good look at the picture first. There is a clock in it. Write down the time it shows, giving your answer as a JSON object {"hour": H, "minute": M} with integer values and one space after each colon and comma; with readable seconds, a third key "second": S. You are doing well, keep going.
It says {"hour": 9, "minute": 3}
